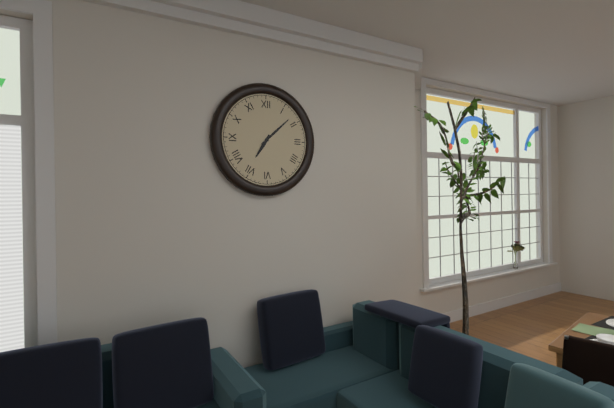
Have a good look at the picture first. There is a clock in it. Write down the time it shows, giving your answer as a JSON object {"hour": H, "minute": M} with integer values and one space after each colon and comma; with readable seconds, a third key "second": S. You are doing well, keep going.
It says {"hour": 7, "minute": 8}
